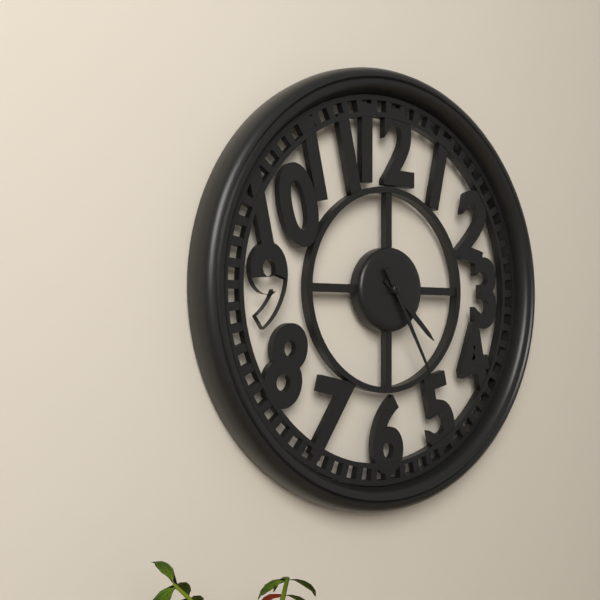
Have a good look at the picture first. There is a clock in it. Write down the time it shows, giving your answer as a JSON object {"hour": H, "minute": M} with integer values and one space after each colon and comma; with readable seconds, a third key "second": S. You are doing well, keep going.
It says {"hour": 4, "minute": 25}
